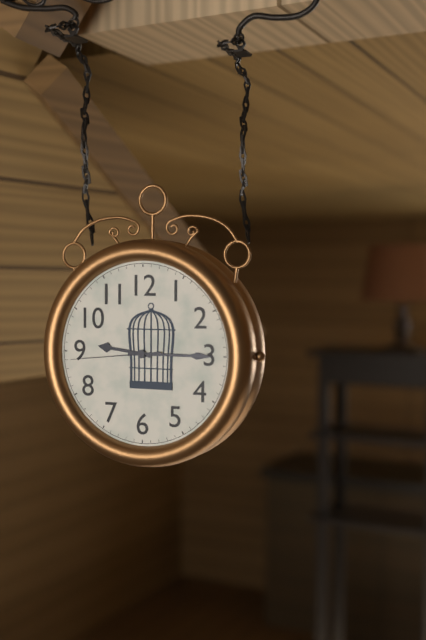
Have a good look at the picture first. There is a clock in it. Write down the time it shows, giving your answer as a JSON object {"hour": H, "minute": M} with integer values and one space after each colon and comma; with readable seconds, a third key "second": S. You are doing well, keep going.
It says {"hour": 9, "minute": 15, "second": 44}
